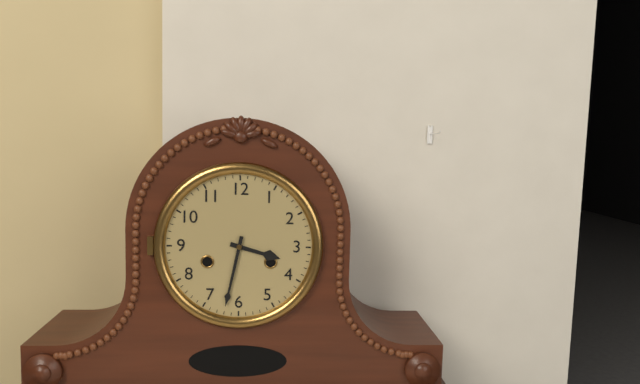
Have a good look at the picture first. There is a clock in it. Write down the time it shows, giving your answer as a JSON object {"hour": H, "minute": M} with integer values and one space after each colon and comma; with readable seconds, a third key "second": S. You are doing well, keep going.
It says {"hour": 3, "minute": 32}
